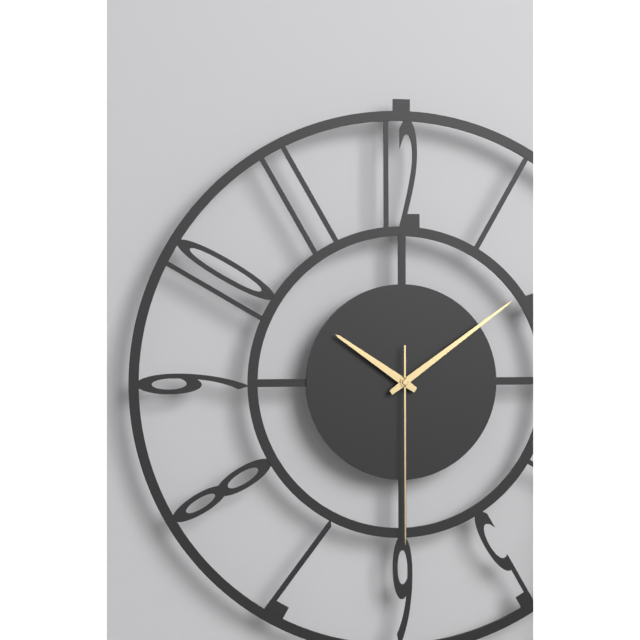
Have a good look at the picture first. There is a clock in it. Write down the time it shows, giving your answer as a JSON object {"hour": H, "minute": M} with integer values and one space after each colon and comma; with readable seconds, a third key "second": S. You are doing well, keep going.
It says {"hour": 10, "minute": 9, "second": 30}
